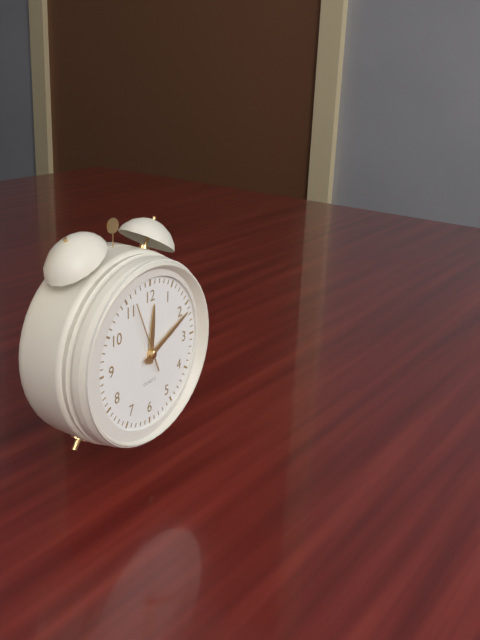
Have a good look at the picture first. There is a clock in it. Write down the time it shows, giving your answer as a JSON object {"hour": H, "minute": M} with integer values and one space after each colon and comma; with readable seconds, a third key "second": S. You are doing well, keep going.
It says {"hour": 12, "minute": 11, "second": 56}
